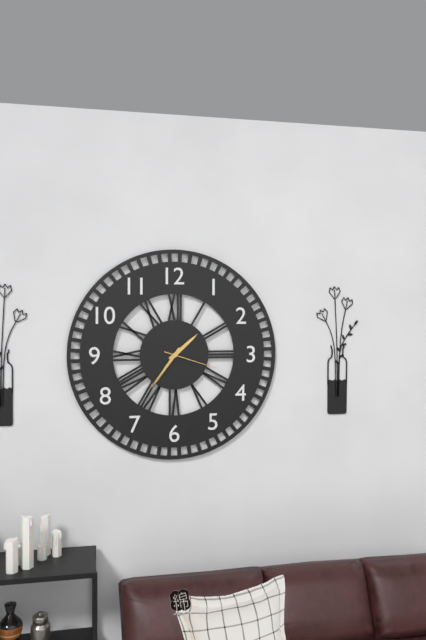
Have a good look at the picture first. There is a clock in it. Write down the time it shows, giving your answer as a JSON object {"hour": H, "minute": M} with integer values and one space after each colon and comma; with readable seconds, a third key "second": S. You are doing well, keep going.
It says {"hour": 1, "minute": 36, "second": 18}
